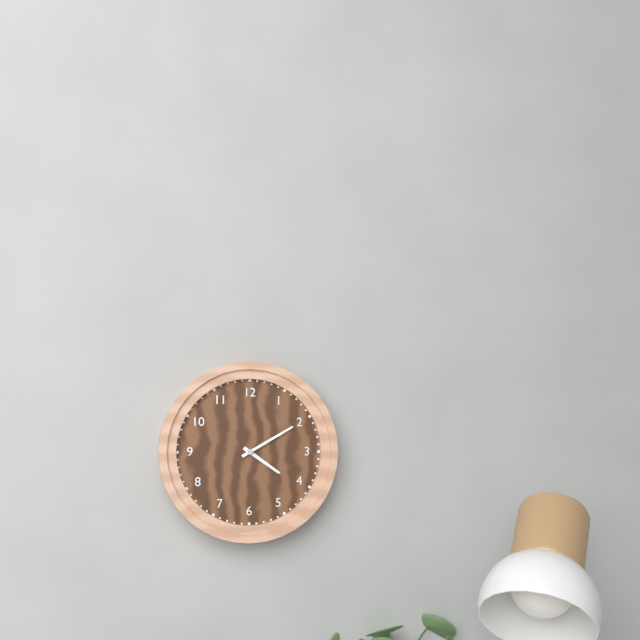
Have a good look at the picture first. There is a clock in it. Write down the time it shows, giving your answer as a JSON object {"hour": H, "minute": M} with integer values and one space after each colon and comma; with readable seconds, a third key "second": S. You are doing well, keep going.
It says {"hour": 4, "minute": 10}
